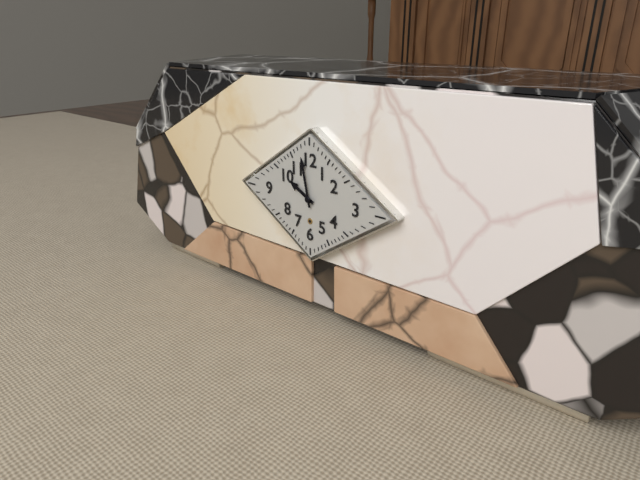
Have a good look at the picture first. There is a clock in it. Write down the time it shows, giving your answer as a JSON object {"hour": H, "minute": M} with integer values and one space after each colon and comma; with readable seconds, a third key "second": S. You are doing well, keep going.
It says {"hour": 9, "minute": 58}
